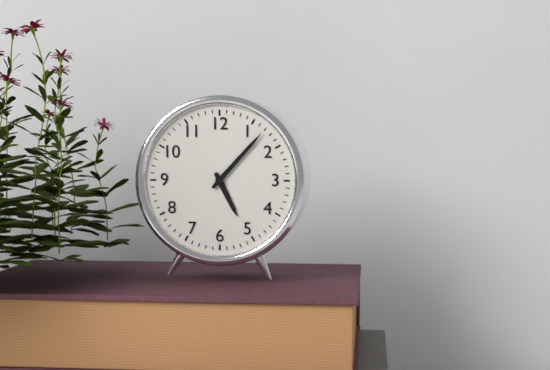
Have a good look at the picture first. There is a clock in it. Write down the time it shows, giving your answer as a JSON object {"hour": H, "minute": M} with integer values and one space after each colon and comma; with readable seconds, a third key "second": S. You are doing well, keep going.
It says {"hour": 5, "minute": 7}
